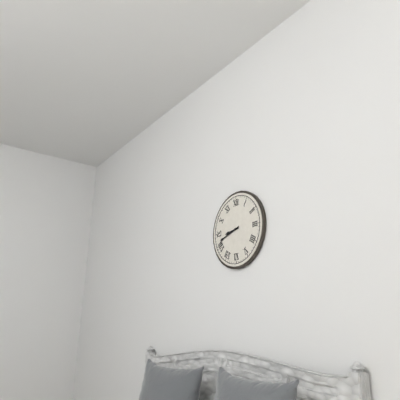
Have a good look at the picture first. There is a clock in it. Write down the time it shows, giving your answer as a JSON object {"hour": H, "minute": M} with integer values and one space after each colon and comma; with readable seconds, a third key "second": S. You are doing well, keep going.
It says {"hour": 8, "minute": 42}
